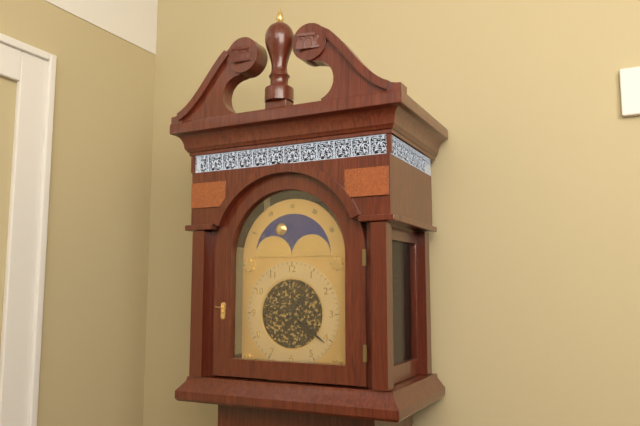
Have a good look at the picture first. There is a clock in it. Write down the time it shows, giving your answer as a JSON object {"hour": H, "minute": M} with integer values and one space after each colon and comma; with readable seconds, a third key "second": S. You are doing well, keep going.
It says {"hour": 1, "minute": 21}
